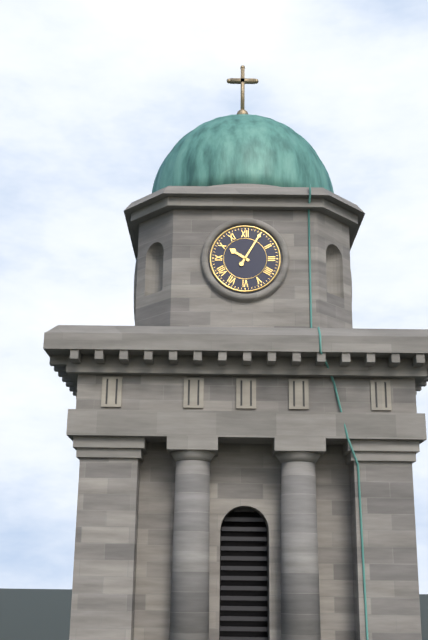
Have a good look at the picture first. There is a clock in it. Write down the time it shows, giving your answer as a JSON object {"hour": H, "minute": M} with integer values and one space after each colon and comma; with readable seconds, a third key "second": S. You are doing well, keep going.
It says {"hour": 10, "minute": 5}
